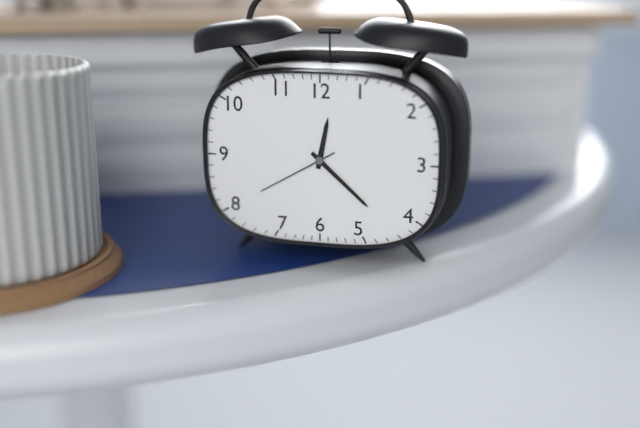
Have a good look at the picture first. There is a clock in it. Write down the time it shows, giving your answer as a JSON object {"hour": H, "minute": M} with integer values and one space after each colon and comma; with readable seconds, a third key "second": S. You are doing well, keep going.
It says {"hour": 12, "minute": 22, "second": 40}
